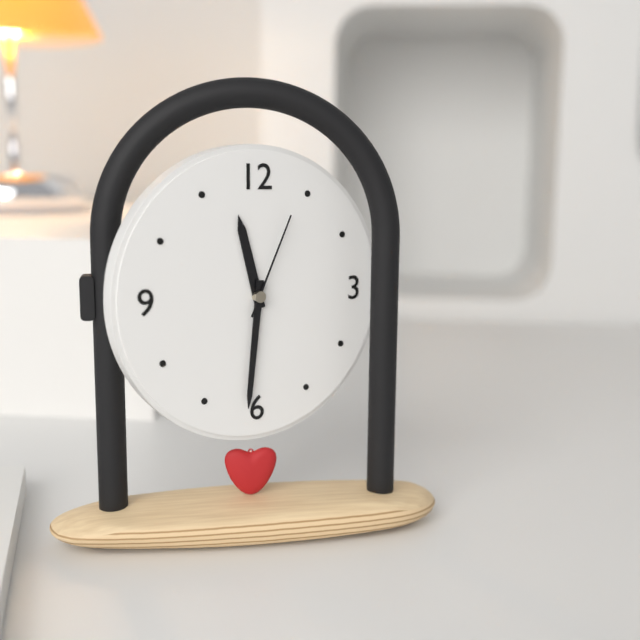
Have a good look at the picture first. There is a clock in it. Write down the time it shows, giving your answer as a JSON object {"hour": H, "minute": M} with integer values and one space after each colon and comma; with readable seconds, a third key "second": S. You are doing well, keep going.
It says {"hour": 11, "minute": 31, "second": 4}
